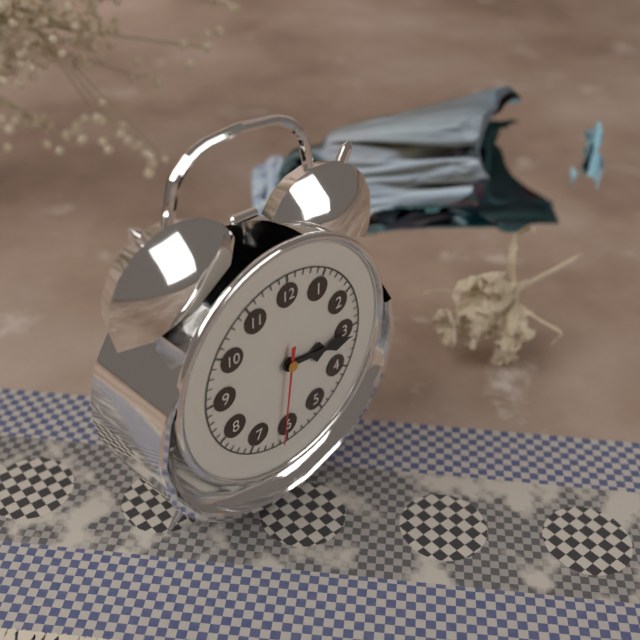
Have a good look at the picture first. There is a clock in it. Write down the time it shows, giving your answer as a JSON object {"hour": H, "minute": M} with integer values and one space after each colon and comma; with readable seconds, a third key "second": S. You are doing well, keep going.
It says {"hour": 3, "minute": 16, "second": 31}
